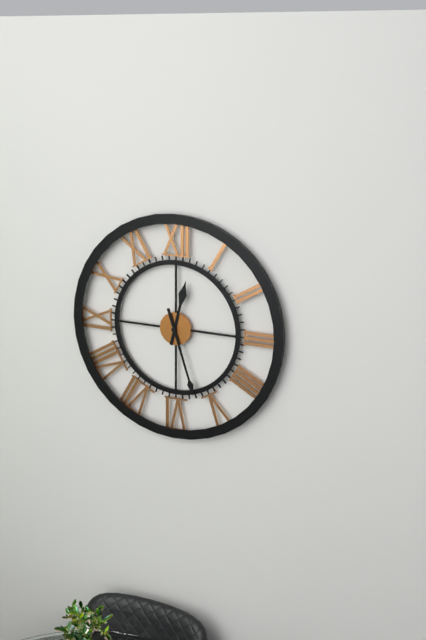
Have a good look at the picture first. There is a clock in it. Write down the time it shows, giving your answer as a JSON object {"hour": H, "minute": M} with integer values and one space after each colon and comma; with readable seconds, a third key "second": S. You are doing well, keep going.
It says {"hour": 12, "minute": 27}
